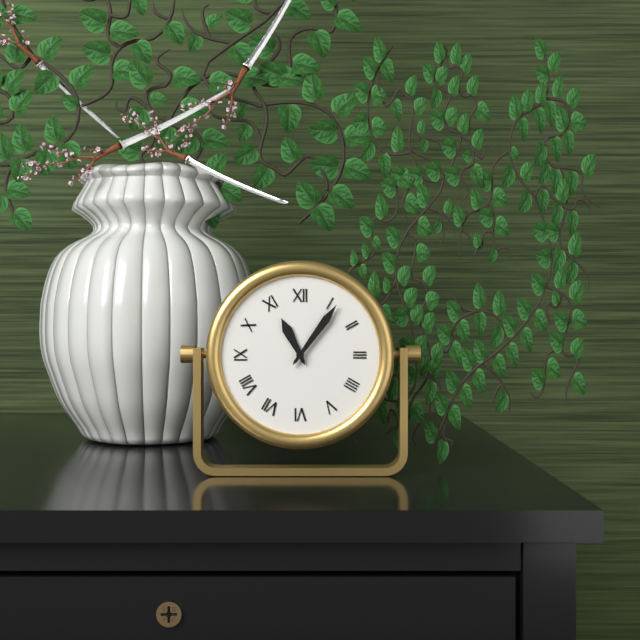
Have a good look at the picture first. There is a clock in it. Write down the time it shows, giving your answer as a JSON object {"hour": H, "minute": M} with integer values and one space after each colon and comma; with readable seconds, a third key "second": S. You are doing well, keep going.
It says {"hour": 11, "minute": 6}
